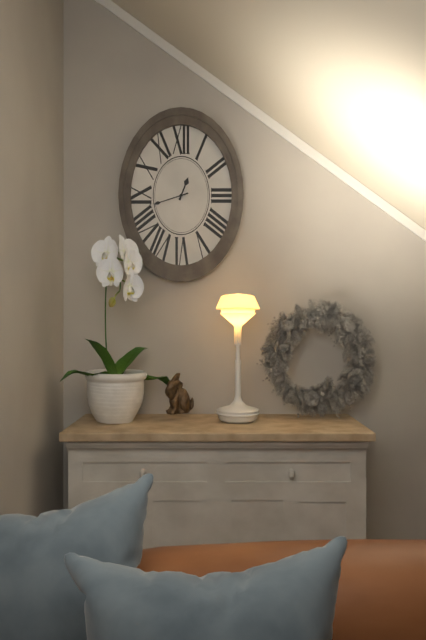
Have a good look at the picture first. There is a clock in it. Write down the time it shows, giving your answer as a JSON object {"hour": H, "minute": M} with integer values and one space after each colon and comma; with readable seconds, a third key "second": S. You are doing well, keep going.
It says {"hour": 12, "minute": 42}
